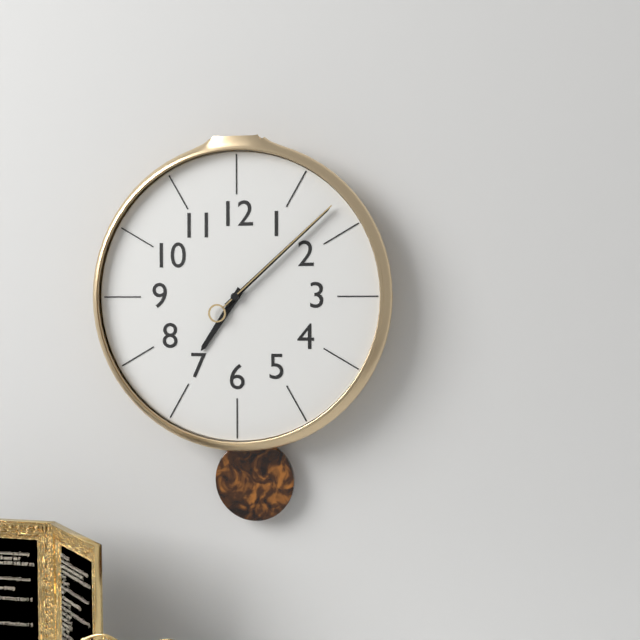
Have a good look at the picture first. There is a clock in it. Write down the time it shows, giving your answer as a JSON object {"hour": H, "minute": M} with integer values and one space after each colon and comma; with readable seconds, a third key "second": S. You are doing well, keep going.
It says {"hour": 7, "minute": 8, "second": 8}
